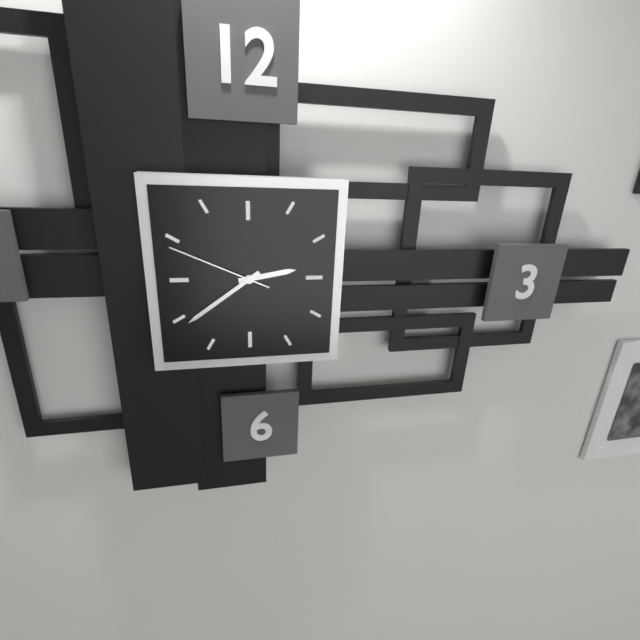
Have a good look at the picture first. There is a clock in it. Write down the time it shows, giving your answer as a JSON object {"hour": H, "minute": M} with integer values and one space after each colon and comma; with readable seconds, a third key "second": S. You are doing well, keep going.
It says {"hour": 2, "minute": 39, "second": 49}
